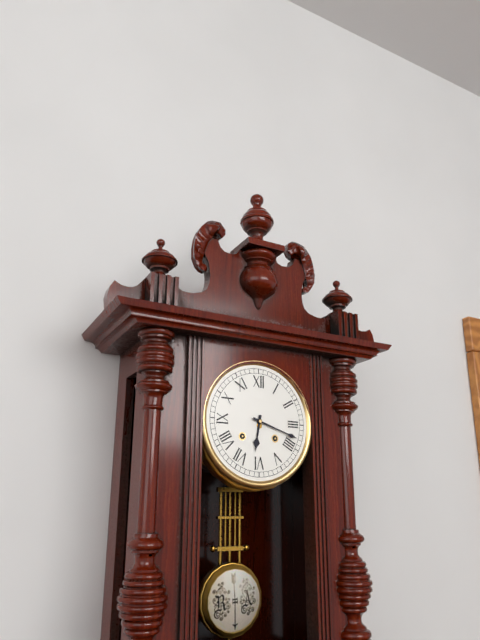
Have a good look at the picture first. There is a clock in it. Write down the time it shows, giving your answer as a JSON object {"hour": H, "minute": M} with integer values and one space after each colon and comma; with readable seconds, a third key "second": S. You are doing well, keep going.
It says {"hour": 6, "minute": 18}
